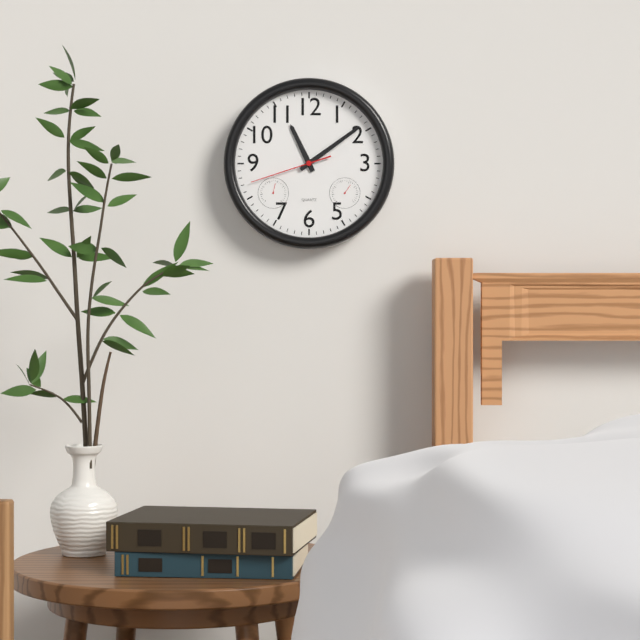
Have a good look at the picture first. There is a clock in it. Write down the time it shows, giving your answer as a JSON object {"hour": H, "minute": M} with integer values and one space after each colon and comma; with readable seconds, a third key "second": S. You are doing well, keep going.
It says {"hour": 11, "minute": 9, "second": 42}
